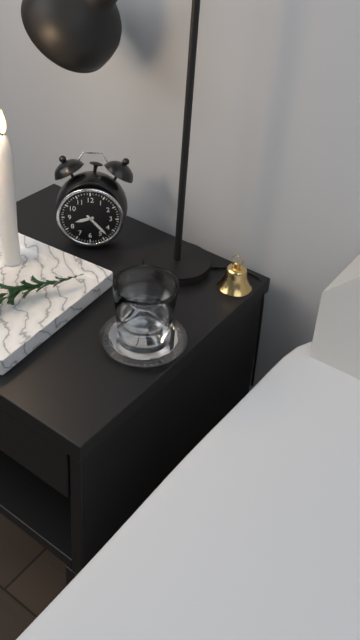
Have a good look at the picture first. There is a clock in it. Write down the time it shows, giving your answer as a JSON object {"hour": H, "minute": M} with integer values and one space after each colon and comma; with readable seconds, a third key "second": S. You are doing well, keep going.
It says {"hour": 8, "minute": 23}
